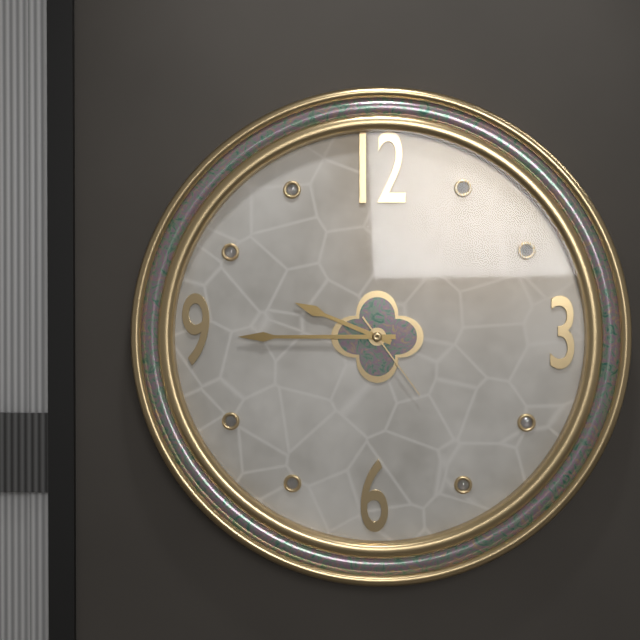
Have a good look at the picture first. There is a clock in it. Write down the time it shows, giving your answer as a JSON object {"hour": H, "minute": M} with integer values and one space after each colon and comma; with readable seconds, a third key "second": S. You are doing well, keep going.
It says {"hour": 9, "minute": 45, "second": 24}
